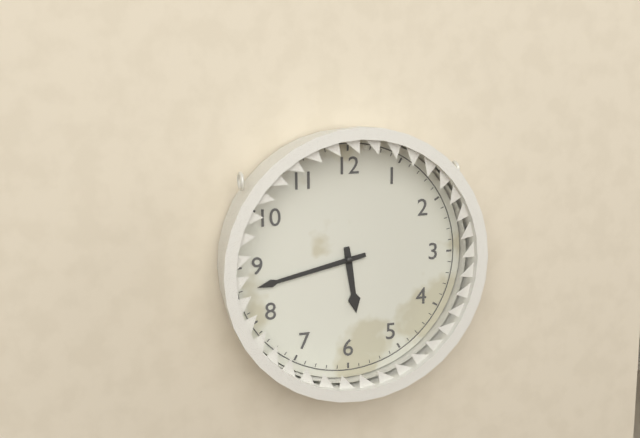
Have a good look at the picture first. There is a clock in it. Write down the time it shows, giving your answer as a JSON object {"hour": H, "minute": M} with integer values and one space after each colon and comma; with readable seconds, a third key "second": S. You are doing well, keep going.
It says {"hour": 5, "minute": 43}
